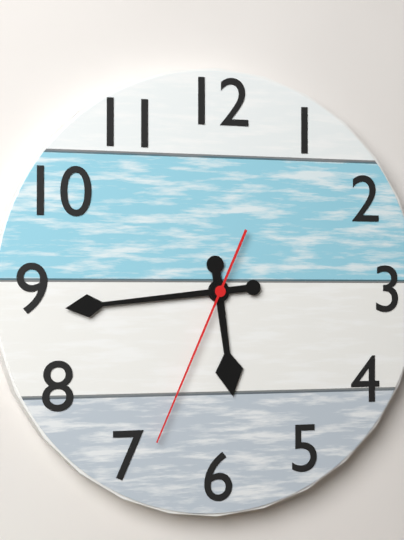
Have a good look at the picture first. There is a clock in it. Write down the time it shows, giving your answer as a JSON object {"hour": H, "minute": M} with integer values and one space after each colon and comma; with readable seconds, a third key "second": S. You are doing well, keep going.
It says {"hour": 5, "minute": 44, "second": 34}
